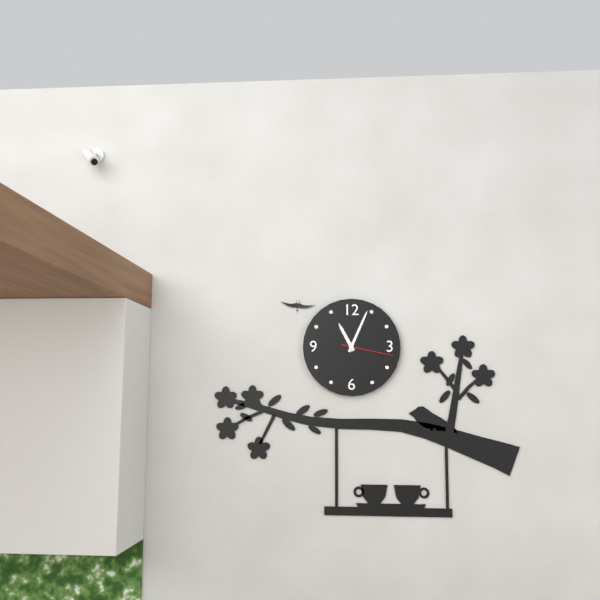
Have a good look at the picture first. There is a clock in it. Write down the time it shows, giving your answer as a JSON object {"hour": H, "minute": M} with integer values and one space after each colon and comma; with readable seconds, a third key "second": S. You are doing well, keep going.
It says {"hour": 11, "minute": 4, "second": 17}
